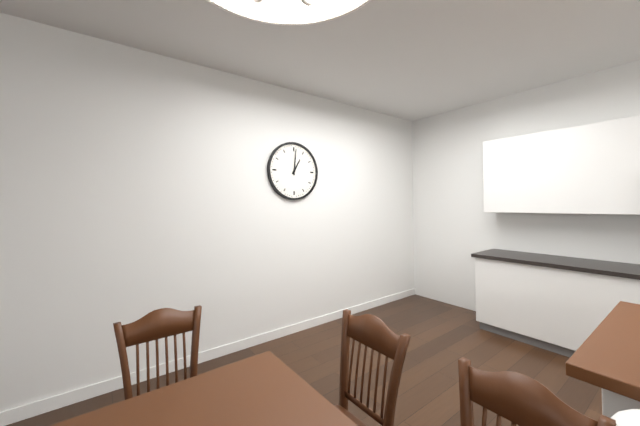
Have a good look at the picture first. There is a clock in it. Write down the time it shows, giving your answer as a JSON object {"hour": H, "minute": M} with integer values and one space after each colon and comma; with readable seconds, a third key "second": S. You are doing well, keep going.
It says {"hour": 1, "minute": 1}
